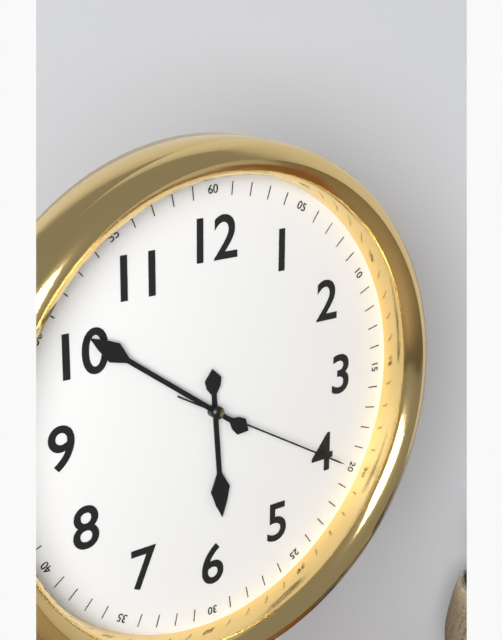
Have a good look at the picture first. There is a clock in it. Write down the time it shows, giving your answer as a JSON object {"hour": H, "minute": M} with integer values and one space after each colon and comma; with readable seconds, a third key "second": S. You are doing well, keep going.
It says {"hour": 5, "minute": 51, "second": 20}
